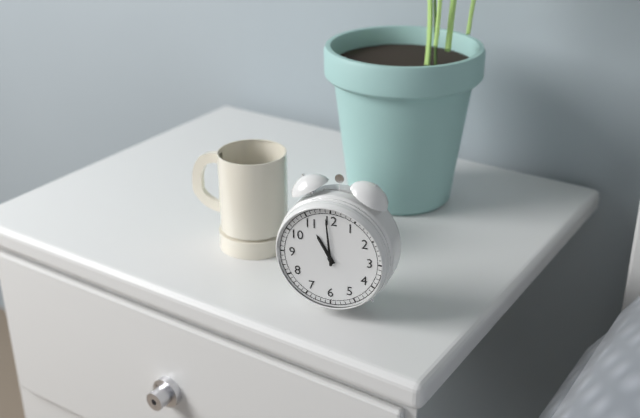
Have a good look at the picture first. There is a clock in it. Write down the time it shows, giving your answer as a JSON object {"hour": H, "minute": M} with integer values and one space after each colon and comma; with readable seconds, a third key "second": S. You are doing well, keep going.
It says {"hour": 10, "minute": 59}
